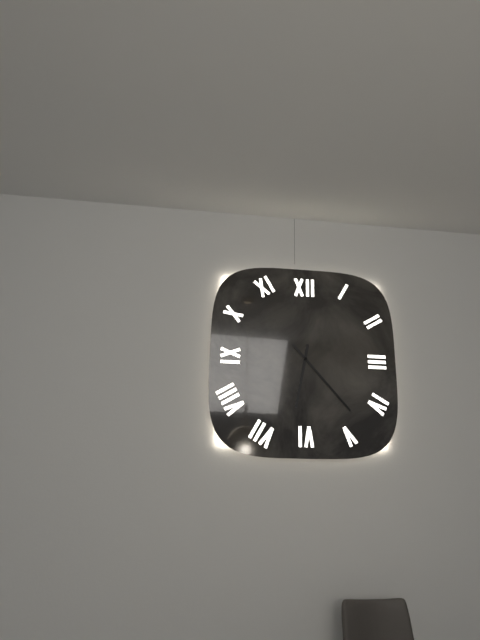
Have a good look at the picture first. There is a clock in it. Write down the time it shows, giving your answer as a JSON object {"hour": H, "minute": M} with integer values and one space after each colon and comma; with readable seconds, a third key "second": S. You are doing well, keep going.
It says {"hour": 6, "minute": 23}
